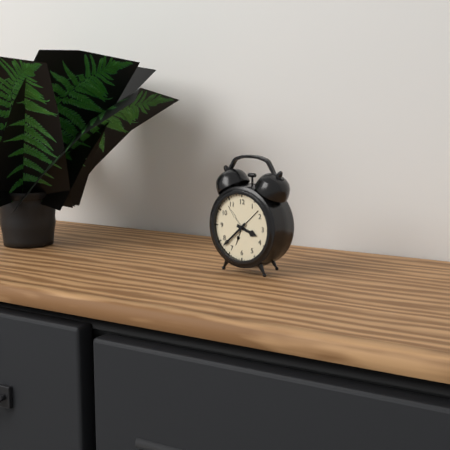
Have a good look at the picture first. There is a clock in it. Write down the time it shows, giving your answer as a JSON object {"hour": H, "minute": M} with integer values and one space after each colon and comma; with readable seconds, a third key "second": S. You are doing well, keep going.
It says {"hour": 3, "minute": 38}
